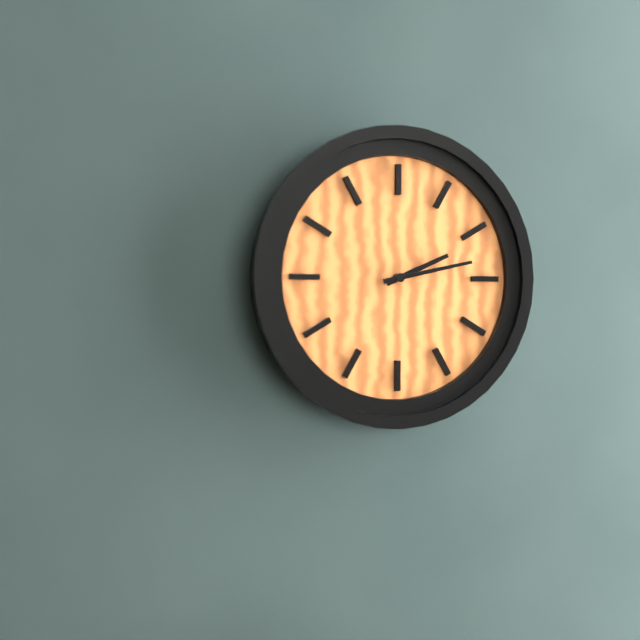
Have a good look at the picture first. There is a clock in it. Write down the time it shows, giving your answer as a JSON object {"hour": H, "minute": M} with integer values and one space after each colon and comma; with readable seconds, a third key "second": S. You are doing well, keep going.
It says {"hour": 2, "minute": 13}
